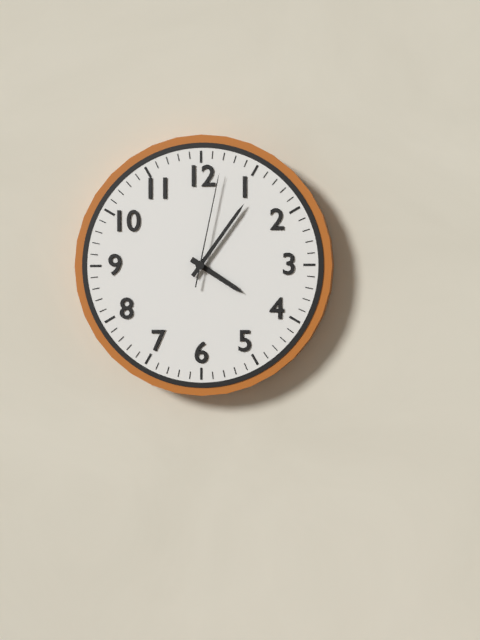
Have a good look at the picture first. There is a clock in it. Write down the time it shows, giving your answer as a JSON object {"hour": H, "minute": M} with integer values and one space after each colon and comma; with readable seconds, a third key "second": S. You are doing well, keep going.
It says {"hour": 4, "minute": 6, "second": 2}
